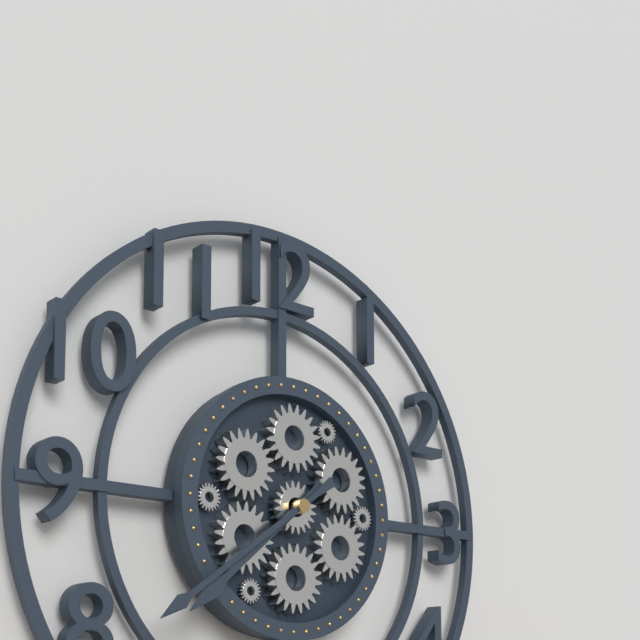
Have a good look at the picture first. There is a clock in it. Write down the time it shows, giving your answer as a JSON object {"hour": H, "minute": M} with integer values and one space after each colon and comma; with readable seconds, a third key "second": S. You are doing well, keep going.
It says {"hour": 7, "minute": 39}
